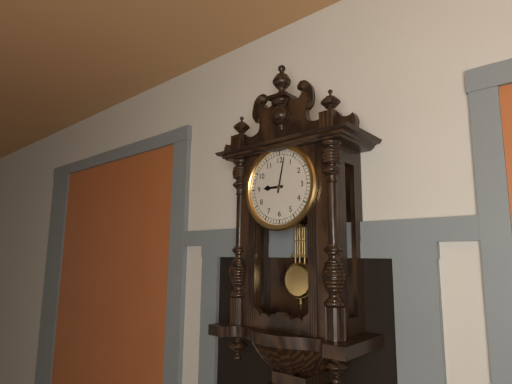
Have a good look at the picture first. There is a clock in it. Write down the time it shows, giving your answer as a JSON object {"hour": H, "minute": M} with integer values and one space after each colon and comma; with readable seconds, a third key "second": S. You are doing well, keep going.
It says {"hour": 9, "minute": 2}
